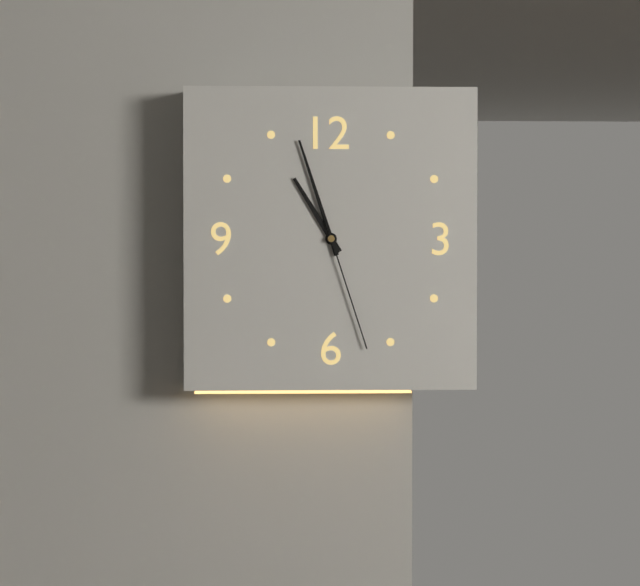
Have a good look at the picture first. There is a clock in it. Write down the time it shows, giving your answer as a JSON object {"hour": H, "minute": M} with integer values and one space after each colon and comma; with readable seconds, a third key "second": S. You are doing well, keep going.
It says {"hour": 10, "minute": 57, "second": 27}
